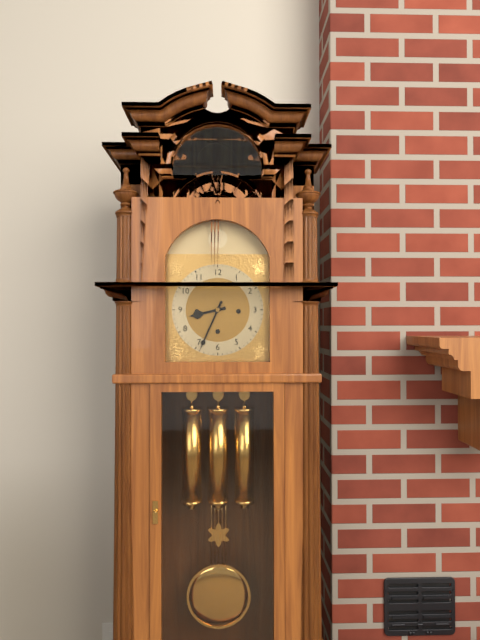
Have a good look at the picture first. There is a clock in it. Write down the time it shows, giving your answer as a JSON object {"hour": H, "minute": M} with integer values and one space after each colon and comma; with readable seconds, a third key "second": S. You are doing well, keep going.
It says {"hour": 8, "minute": 34}
